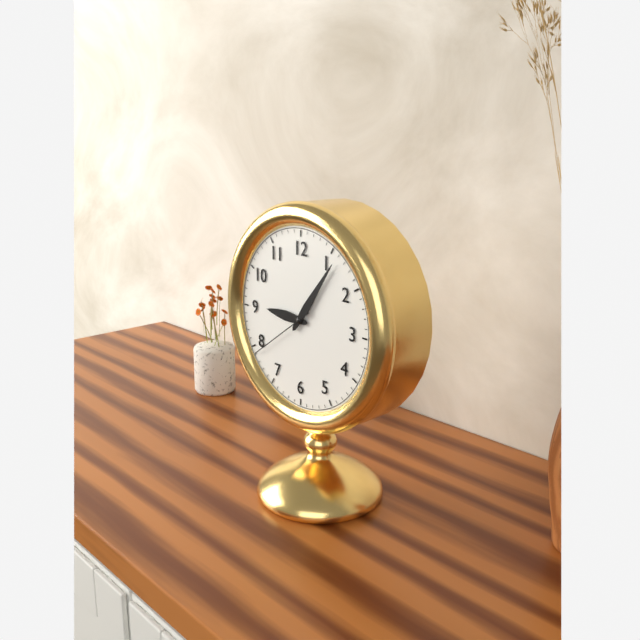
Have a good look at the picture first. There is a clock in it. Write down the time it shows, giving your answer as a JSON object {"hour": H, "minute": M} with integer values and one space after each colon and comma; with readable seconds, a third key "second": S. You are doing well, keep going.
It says {"hour": 9, "minute": 6, "second": 39}
